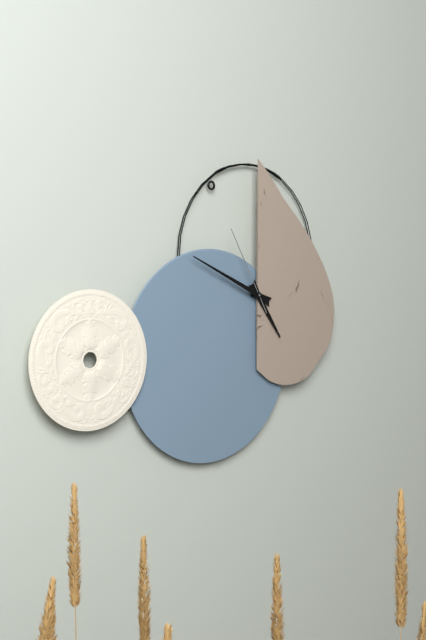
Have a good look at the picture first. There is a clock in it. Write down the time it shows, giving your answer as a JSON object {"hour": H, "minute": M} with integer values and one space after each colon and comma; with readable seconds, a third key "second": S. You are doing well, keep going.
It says {"hour": 4, "minute": 49, "second": 55}
